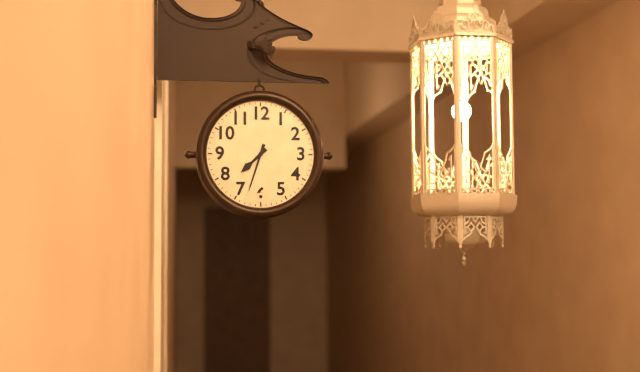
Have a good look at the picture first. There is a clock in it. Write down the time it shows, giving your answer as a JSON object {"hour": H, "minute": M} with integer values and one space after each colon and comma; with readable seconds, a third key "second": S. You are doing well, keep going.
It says {"hour": 7, "minute": 33}
